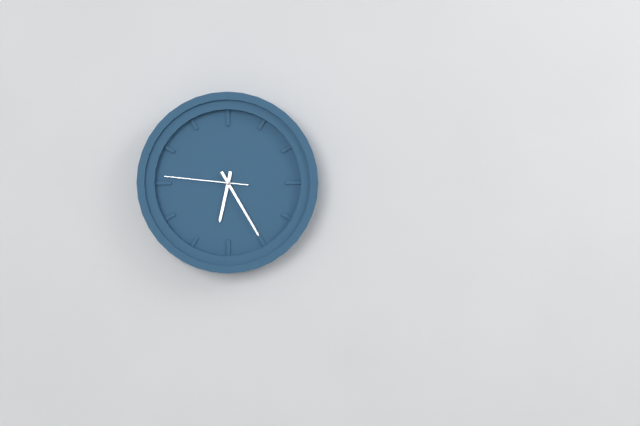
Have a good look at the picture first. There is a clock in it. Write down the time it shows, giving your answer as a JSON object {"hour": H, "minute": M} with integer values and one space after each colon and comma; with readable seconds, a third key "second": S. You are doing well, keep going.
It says {"hour": 6, "minute": 25, "second": 46}
